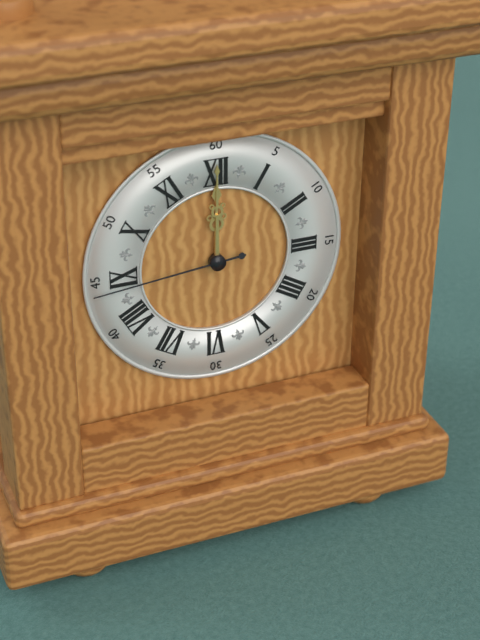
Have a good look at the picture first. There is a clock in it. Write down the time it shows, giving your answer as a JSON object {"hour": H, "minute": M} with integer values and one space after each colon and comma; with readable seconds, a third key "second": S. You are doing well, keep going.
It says {"hour": 12, "minute": 0, "second": 44}
